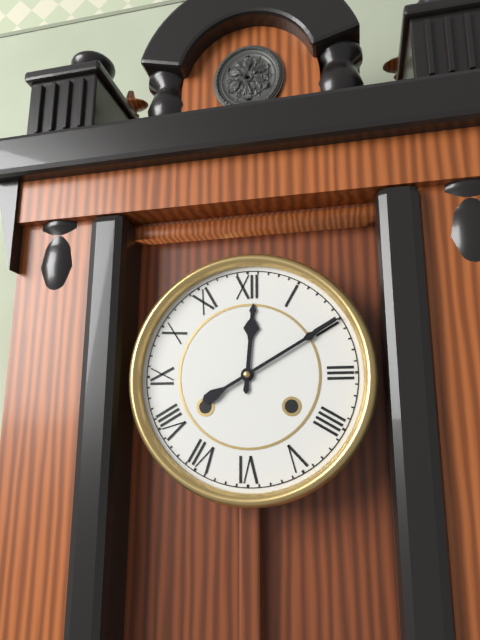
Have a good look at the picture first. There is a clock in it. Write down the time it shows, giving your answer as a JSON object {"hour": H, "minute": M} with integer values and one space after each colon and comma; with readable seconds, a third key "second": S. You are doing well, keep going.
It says {"hour": 12, "minute": 10}
